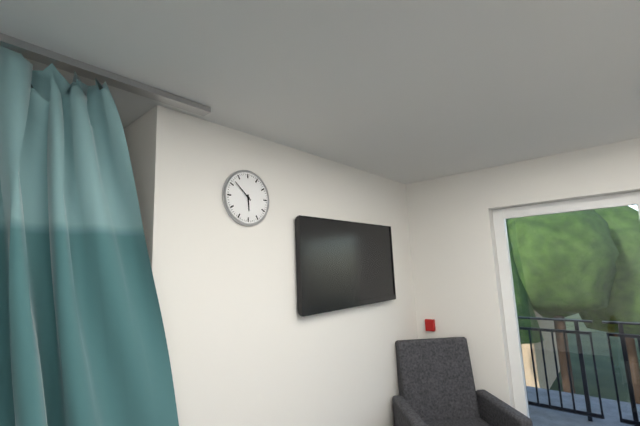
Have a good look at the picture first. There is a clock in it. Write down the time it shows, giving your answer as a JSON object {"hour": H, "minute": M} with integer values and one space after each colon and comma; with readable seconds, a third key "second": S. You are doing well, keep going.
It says {"hour": 5, "minute": 52}
